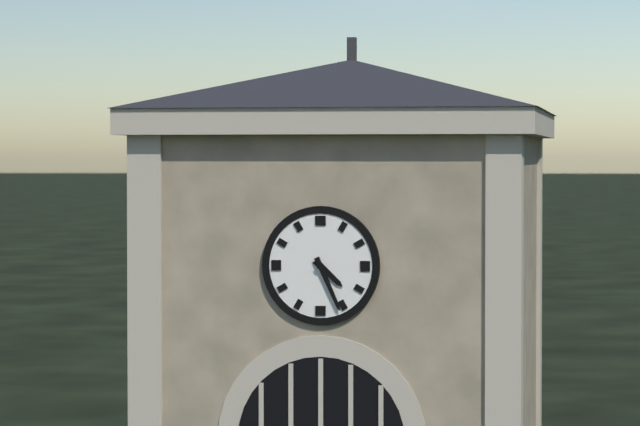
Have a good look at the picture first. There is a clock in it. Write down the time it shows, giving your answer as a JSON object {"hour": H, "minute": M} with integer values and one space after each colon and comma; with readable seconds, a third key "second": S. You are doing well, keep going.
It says {"hour": 4, "minute": 26}
